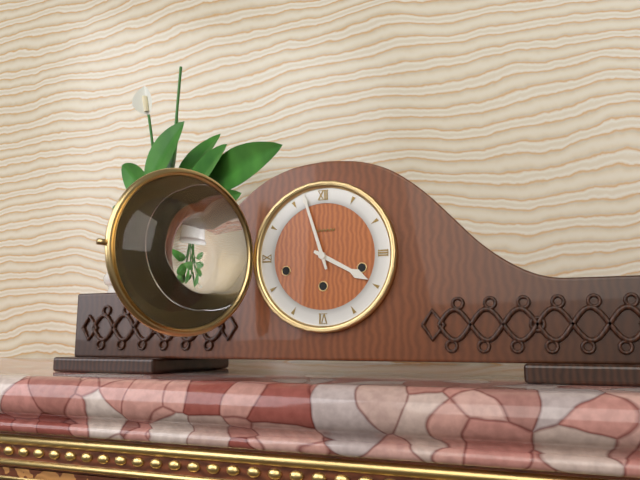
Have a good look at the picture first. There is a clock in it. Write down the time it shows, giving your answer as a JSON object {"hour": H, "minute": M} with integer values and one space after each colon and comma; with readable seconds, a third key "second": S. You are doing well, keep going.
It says {"hour": 3, "minute": 57}
